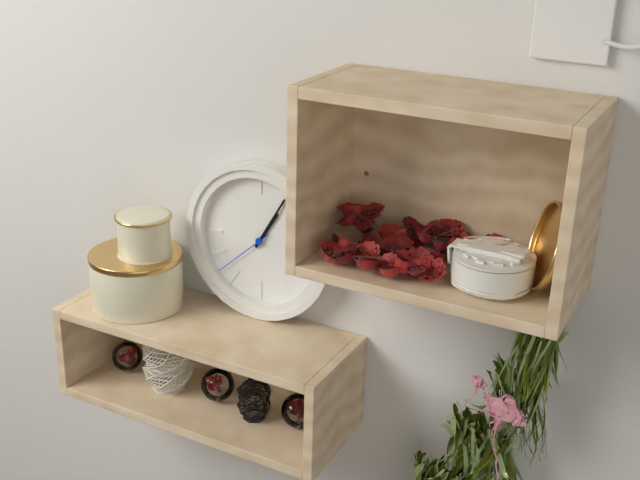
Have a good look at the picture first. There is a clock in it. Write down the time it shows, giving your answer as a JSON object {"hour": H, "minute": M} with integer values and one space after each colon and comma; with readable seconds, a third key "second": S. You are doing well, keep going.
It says {"hour": 1, "minute": 5, "second": 38}
